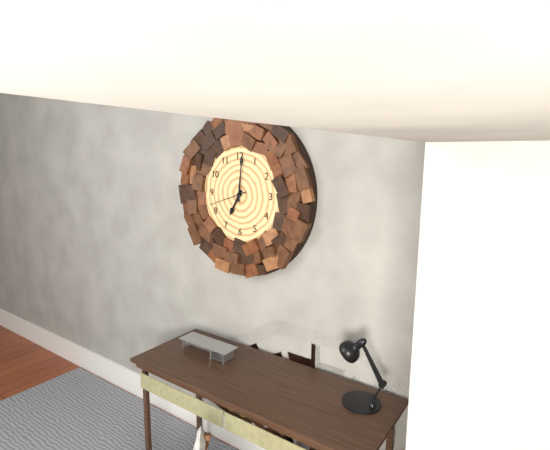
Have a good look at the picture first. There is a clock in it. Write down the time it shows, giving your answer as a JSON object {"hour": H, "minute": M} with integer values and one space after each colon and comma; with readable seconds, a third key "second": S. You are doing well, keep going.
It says {"hour": 7, "minute": 1}
